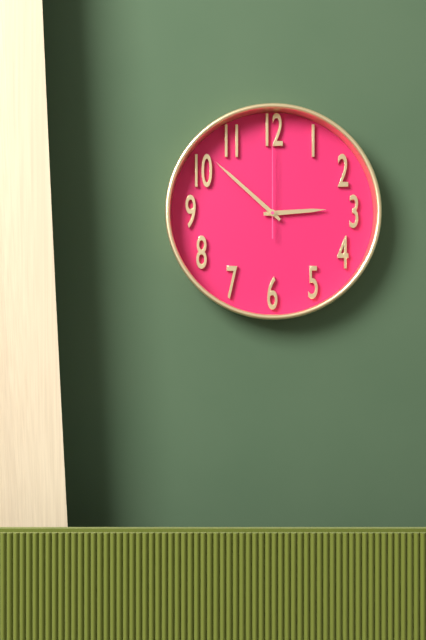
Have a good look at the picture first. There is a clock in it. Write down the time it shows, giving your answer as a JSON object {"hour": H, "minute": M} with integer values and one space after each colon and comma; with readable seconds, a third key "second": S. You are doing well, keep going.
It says {"hour": 2, "minute": 52, "second": 0}
